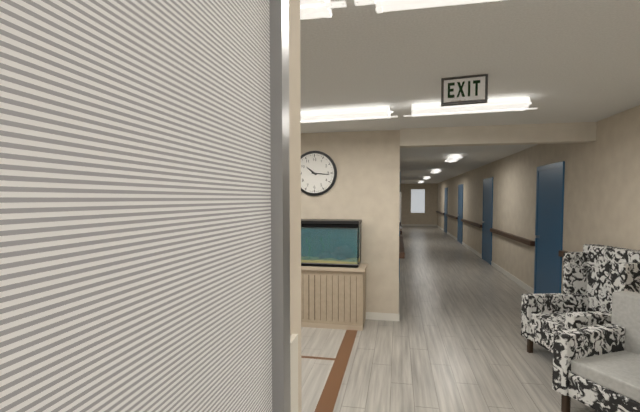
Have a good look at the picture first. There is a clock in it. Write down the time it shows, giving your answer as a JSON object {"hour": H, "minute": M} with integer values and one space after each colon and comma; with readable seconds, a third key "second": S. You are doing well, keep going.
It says {"hour": 10, "minute": 16}
